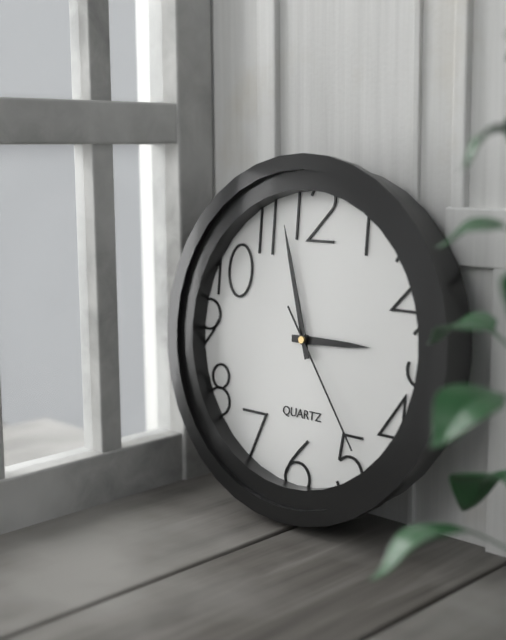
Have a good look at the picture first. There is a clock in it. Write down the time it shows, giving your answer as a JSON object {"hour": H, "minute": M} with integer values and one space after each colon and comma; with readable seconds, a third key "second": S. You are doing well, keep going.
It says {"hour": 2, "minute": 57, "second": 24}
